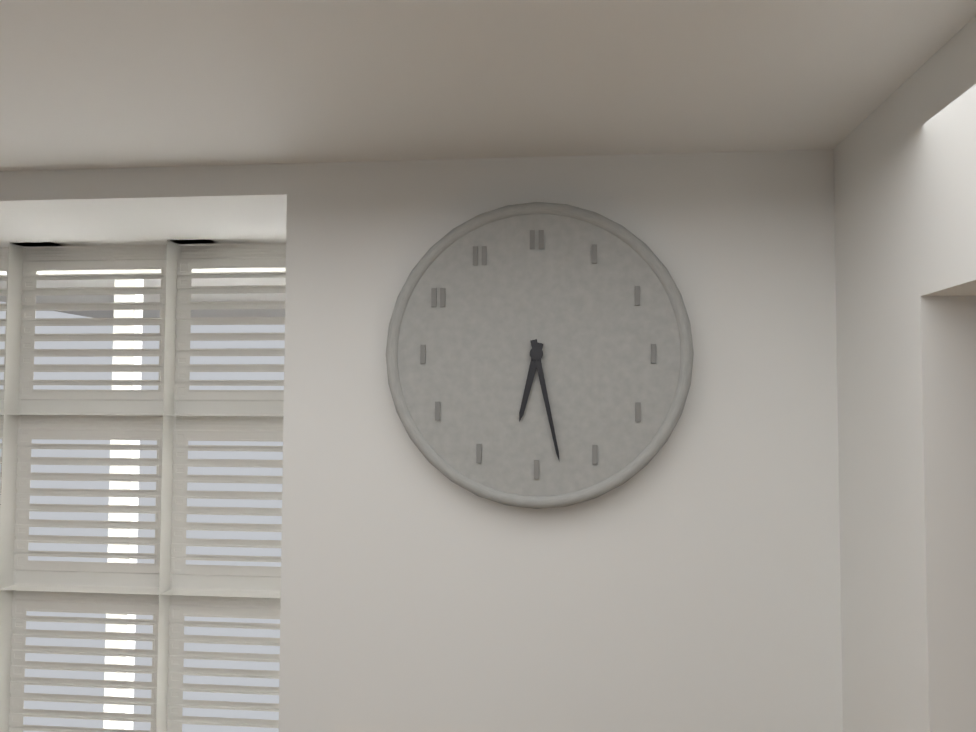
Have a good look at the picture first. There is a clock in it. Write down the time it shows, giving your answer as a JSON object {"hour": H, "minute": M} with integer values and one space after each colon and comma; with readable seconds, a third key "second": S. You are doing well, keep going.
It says {"hour": 6, "minute": 28}
